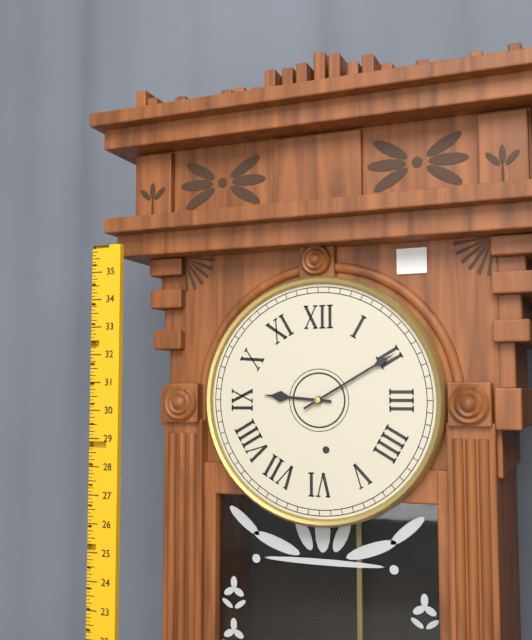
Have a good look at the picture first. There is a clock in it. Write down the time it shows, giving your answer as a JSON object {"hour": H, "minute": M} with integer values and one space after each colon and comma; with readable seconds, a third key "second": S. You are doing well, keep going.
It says {"hour": 9, "minute": 10}
